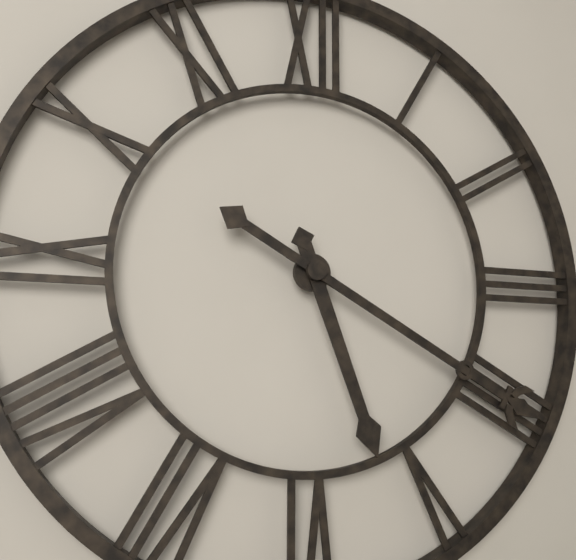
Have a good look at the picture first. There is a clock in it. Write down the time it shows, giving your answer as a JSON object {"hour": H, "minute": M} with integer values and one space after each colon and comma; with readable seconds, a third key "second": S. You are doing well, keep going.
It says {"hour": 5, "minute": 20}
